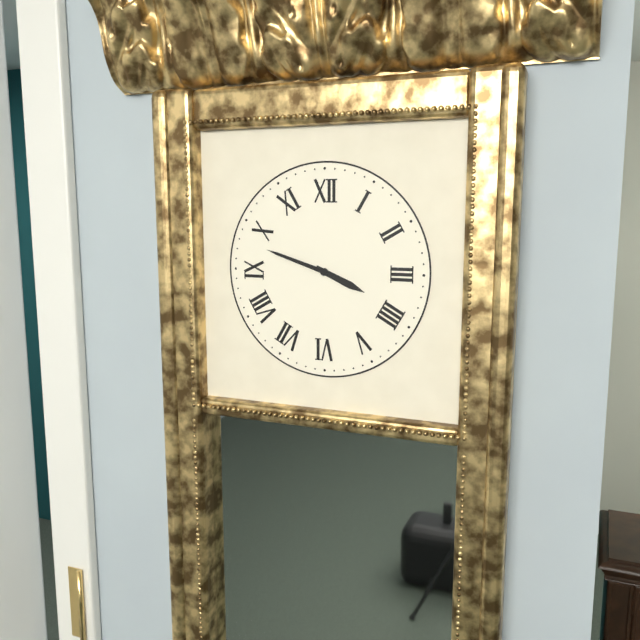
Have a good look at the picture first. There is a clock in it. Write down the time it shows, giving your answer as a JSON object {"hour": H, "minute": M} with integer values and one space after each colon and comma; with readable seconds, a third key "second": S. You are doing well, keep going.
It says {"hour": 3, "minute": 48}
